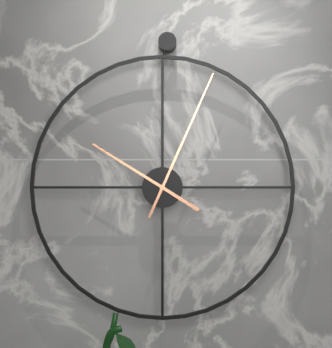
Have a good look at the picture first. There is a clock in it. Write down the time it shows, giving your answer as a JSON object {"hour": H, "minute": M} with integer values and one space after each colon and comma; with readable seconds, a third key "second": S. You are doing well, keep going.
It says {"hour": 10, "minute": 4}
